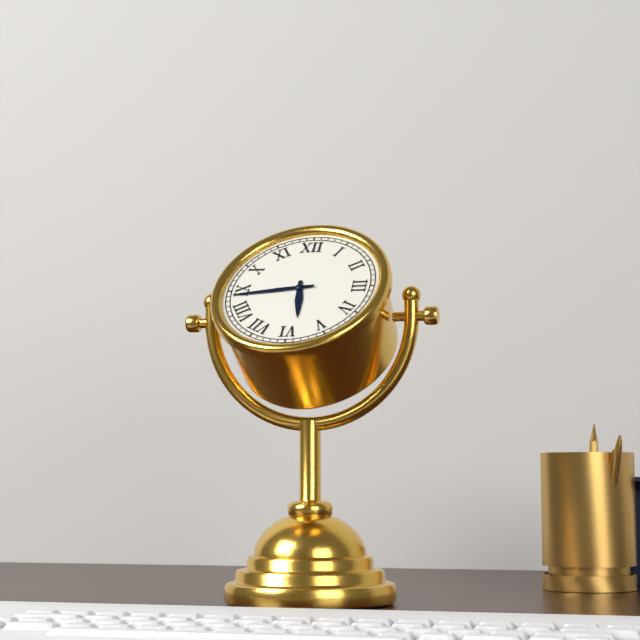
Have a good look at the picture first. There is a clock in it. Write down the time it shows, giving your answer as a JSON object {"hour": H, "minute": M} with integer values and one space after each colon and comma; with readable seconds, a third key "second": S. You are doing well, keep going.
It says {"hour": 5, "minute": 44}
